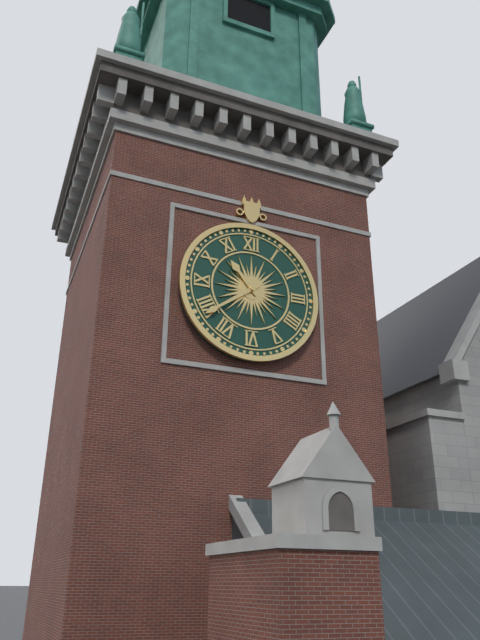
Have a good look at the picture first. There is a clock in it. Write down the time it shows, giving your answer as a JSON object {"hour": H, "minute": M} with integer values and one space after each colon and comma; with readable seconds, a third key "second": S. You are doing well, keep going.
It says {"hour": 10, "minute": 39}
